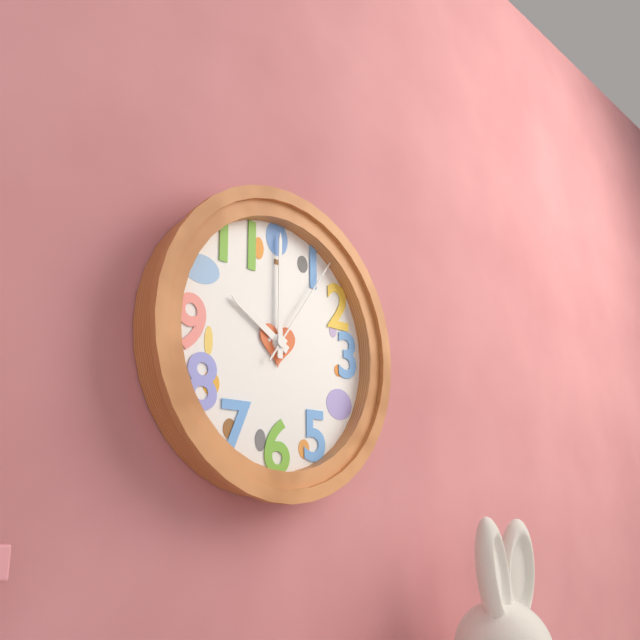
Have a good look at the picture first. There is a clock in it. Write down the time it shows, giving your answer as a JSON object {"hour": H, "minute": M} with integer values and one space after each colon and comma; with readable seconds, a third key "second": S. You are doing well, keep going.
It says {"hour": 10, "minute": 0, "second": 6}
